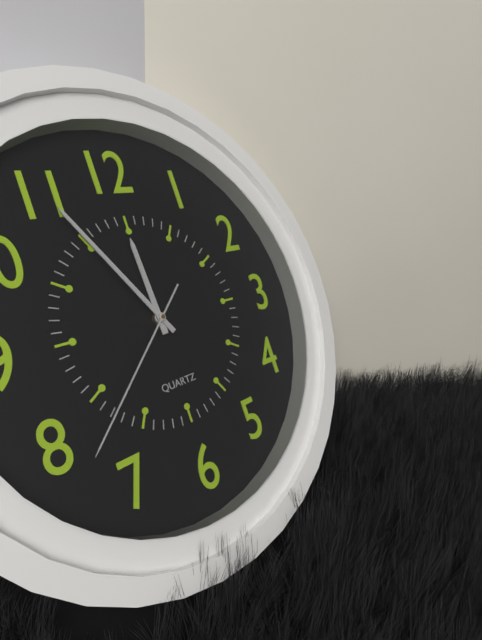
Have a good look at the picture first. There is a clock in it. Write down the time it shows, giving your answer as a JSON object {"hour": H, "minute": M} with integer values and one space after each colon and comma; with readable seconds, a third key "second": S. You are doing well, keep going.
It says {"hour": 11, "minute": 55, "second": 38}
